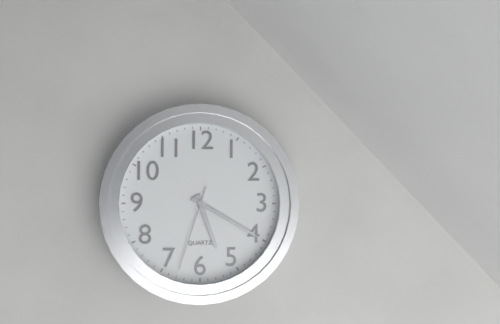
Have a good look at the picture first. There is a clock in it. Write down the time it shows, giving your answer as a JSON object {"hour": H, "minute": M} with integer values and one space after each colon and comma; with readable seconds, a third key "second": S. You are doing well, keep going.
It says {"hour": 5, "minute": 20, "second": 33}
